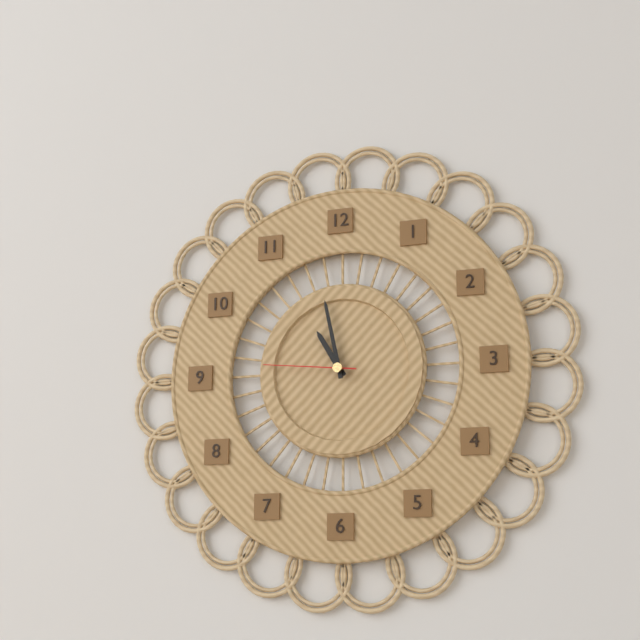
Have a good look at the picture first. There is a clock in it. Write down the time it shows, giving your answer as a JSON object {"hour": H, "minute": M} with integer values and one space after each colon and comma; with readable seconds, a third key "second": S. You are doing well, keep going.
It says {"hour": 10, "minute": 58, "second": 46}
